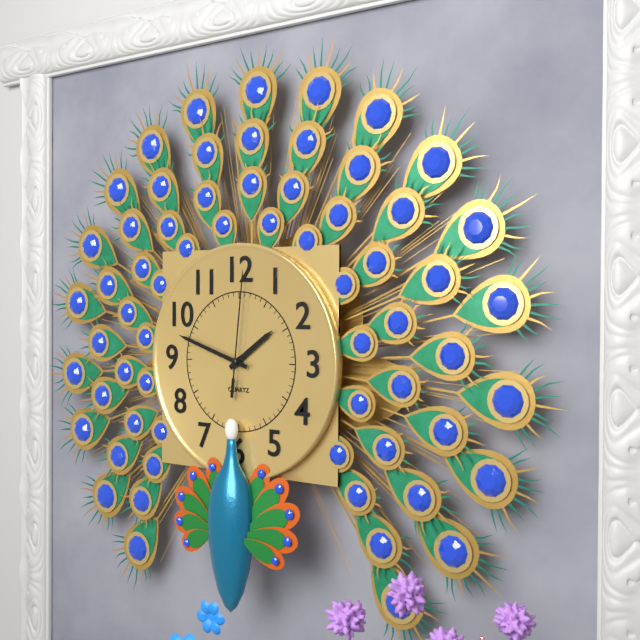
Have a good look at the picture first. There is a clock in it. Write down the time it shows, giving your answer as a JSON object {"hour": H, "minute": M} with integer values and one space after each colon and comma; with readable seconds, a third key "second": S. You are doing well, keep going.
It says {"hour": 1, "minute": 48, "second": 1}
